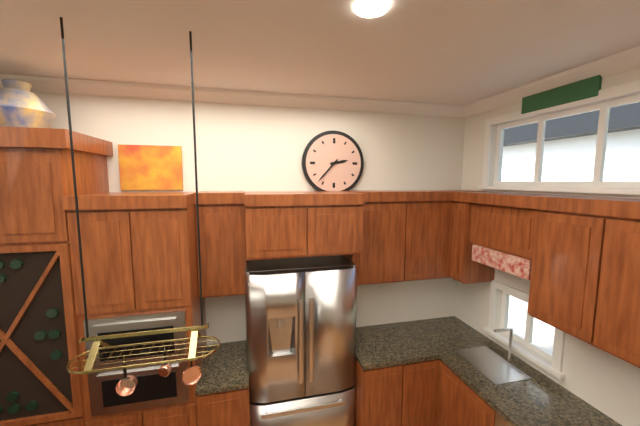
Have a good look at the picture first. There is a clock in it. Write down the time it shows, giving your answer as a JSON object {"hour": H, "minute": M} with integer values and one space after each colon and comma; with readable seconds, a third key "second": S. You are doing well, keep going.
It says {"hour": 2, "minute": 37}
